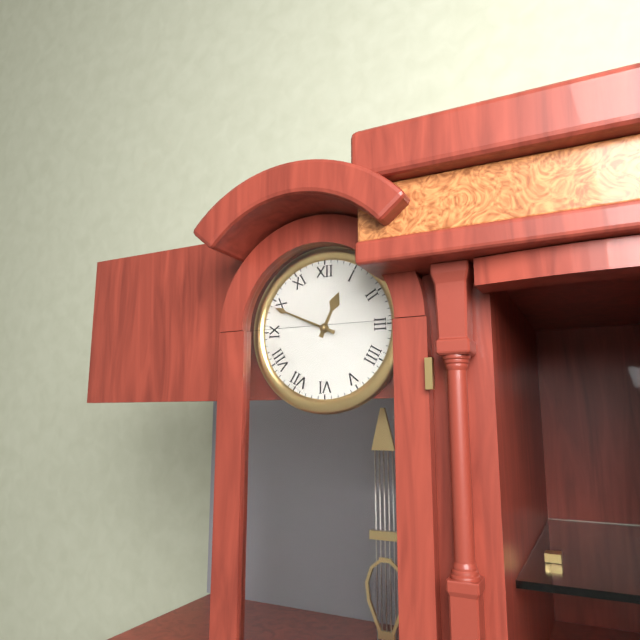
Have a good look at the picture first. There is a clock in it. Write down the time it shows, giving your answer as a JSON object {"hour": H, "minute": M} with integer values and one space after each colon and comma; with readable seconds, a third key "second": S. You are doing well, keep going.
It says {"hour": 12, "minute": 49}
